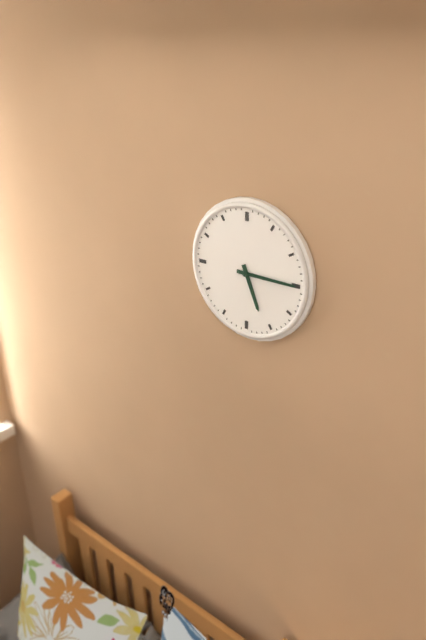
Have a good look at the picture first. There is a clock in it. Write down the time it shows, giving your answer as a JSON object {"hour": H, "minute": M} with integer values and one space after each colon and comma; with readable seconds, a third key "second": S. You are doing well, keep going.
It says {"hour": 5, "minute": 15}
